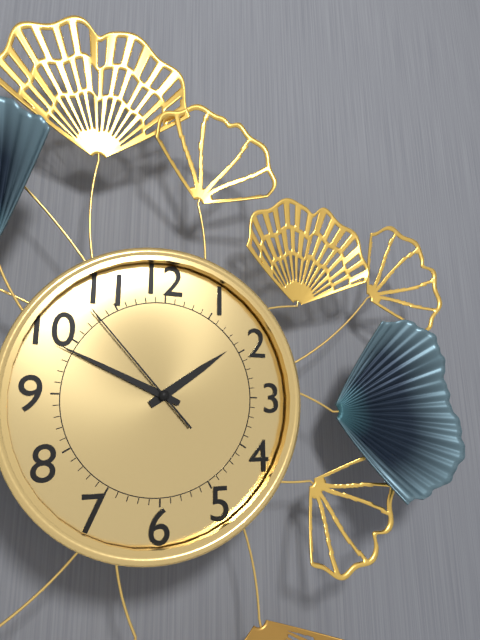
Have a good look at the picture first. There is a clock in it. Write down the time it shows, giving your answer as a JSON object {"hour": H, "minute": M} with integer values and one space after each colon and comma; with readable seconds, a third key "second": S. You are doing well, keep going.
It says {"hour": 1, "minute": 49, "second": 53}
